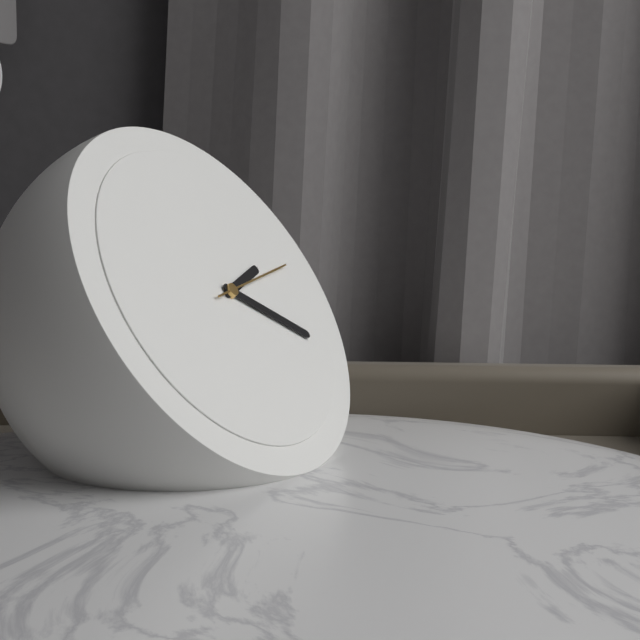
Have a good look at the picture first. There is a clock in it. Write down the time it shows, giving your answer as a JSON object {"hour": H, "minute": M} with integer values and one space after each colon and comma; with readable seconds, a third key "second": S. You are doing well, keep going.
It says {"hour": 2, "minute": 20, "second": 13}
